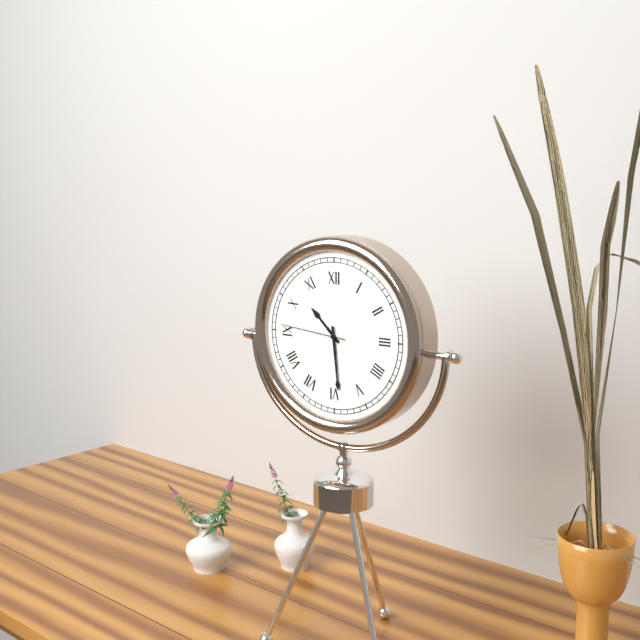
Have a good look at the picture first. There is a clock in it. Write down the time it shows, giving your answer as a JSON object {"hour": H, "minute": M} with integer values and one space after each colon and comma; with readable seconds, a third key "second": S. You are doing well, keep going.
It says {"hour": 10, "minute": 29, "second": 46}
